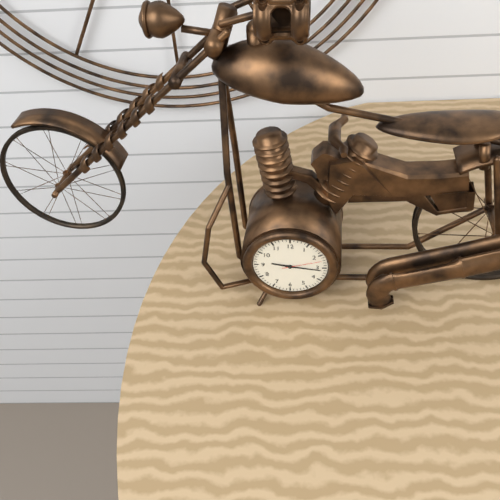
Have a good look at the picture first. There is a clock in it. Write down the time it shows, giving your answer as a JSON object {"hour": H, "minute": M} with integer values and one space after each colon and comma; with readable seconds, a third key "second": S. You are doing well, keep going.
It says {"hour": 9, "minute": 16}
